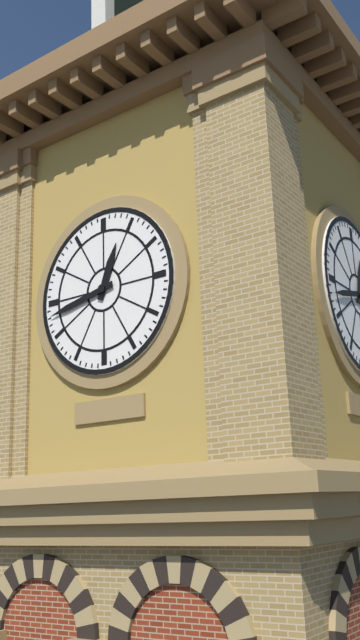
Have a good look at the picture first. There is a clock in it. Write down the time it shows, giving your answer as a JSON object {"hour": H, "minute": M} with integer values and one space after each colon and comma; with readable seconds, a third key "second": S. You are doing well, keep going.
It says {"hour": 12, "minute": 43}
